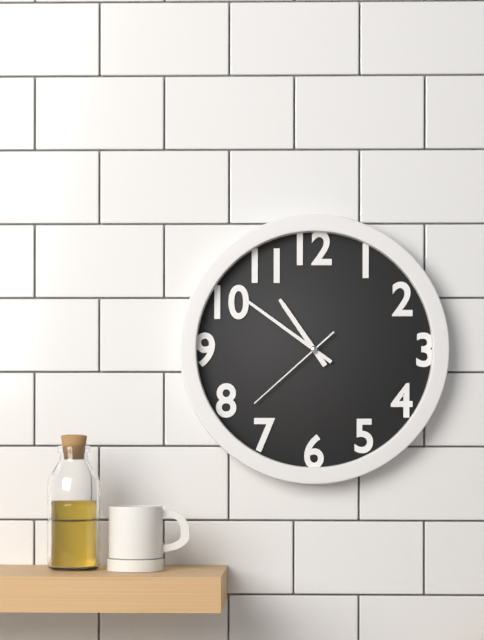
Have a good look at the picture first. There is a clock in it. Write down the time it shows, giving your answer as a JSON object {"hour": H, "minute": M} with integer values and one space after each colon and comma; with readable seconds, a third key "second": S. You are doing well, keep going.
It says {"hour": 10, "minute": 51, "second": 38}
